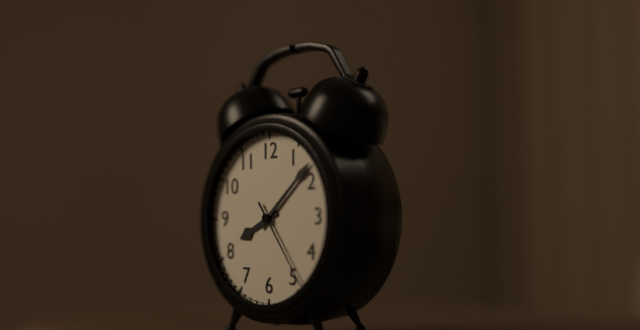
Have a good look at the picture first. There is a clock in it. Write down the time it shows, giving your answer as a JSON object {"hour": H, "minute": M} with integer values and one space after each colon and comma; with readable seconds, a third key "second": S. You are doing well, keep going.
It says {"hour": 8, "minute": 8, "second": 24}
